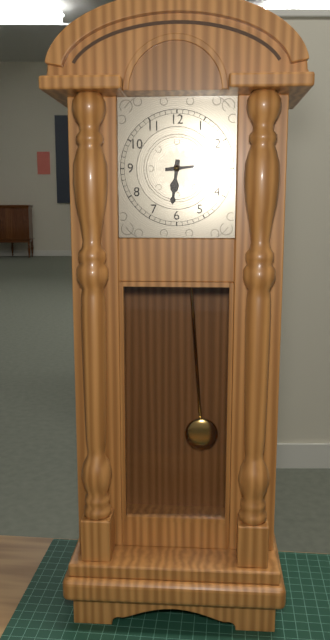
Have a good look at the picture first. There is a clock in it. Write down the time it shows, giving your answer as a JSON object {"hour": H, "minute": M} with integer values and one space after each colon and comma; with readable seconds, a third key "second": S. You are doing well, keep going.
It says {"hour": 6, "minute": 14}
